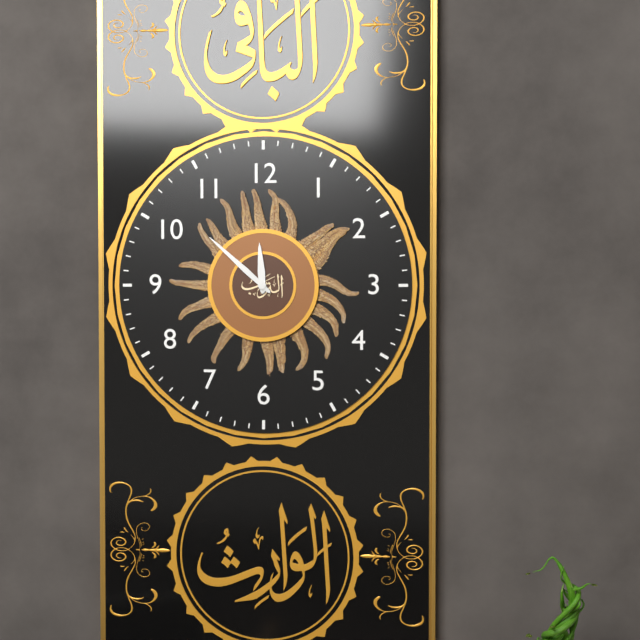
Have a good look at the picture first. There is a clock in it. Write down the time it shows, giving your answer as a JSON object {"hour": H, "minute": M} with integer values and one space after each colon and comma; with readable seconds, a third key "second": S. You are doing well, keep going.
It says {"hour": 11, "minute": 52}
